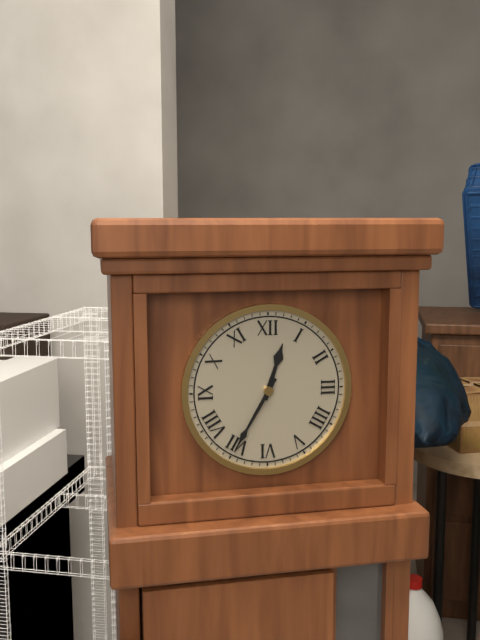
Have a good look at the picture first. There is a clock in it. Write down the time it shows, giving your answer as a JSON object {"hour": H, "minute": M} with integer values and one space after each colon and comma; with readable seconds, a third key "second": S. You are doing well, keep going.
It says {"hour": 12, "minute": 35}
